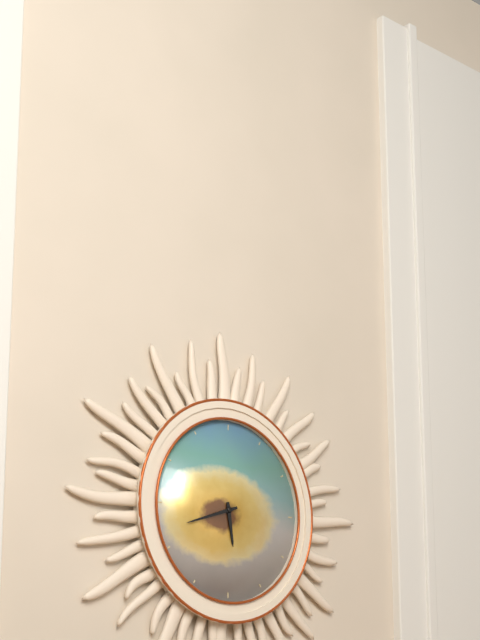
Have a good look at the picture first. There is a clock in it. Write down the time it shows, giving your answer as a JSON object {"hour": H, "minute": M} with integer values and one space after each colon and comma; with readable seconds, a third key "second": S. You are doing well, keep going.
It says {"hour": 5, "minute": 42}
